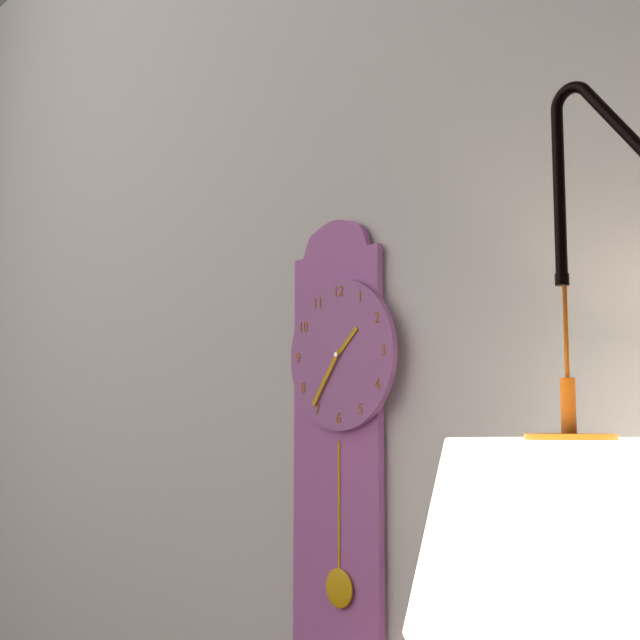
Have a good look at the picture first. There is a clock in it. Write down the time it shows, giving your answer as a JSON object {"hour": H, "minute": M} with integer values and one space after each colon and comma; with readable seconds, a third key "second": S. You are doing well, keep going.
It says {"hour": 1, "minute": 36}
